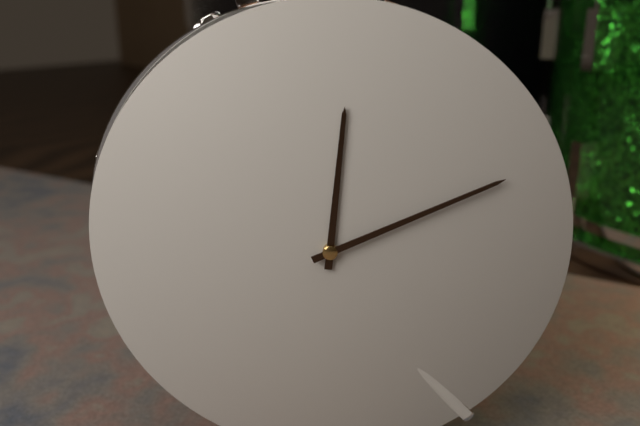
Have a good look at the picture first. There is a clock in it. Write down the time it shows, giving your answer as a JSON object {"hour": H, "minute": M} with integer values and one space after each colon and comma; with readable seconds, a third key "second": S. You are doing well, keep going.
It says {"hour": 12, "minute": 11}
